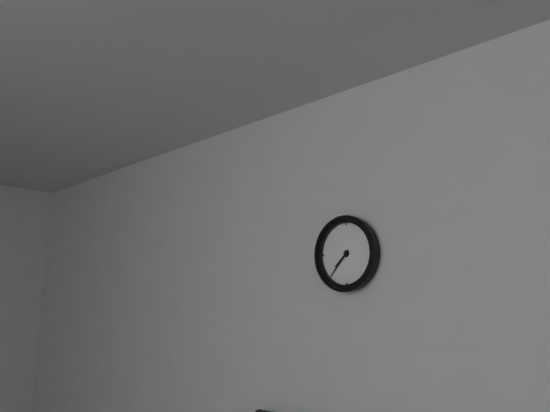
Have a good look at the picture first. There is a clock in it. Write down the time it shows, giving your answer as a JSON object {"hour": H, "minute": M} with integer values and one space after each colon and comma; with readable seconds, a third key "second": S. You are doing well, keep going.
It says {"hour": 7, "minute": 37}
